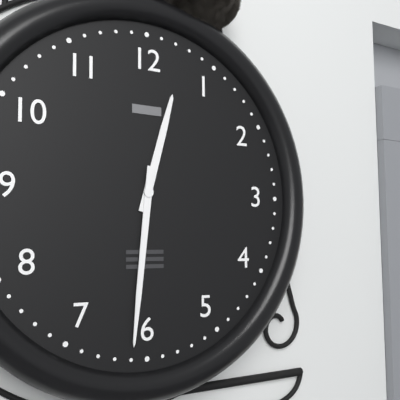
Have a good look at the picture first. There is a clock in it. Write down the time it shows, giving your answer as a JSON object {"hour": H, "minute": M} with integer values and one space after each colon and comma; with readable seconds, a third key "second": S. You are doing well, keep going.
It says {"hour": 12, "minute": 31}
